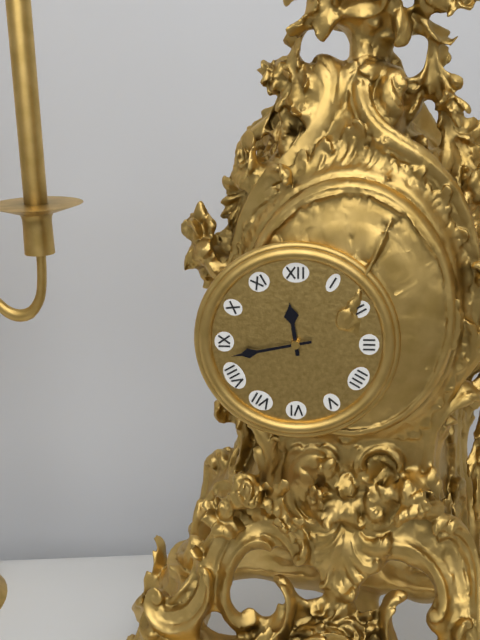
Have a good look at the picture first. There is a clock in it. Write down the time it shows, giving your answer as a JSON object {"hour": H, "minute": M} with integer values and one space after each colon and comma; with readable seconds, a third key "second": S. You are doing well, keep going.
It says {"hour": 11, "minute": 43}
